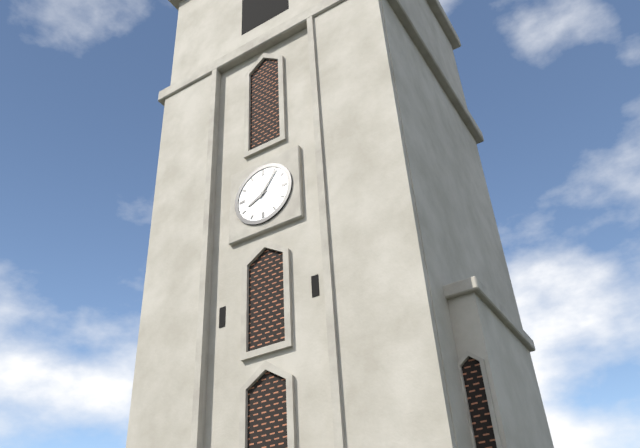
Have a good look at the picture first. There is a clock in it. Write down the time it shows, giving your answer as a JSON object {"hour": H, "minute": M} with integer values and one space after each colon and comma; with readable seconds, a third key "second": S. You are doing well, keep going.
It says {"hour": 8, "minute": 6}
